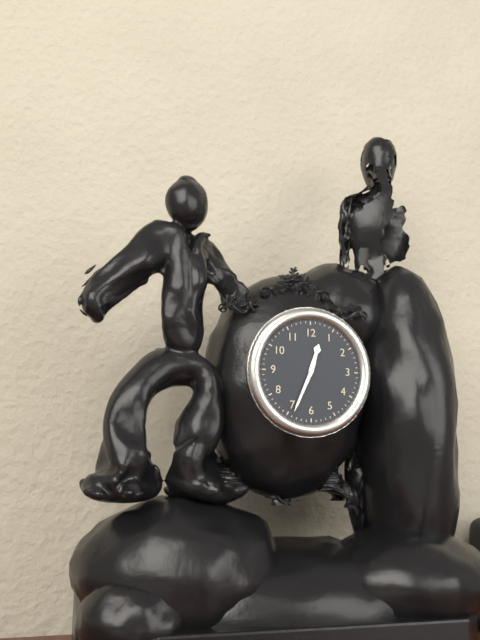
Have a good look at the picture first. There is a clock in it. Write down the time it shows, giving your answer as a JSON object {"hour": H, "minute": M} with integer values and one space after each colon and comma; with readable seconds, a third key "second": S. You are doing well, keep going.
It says {"hour": 12, "minute": 34}
